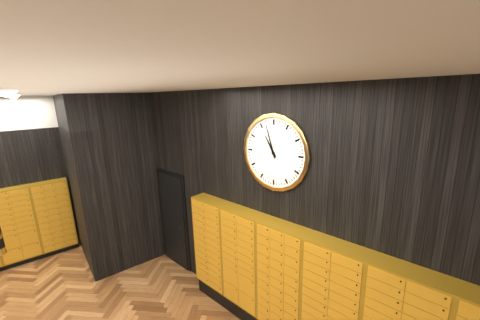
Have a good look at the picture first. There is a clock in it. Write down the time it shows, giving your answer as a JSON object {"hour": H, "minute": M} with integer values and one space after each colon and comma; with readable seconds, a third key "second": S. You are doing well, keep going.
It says {"hour": 10, "minute": 57}
